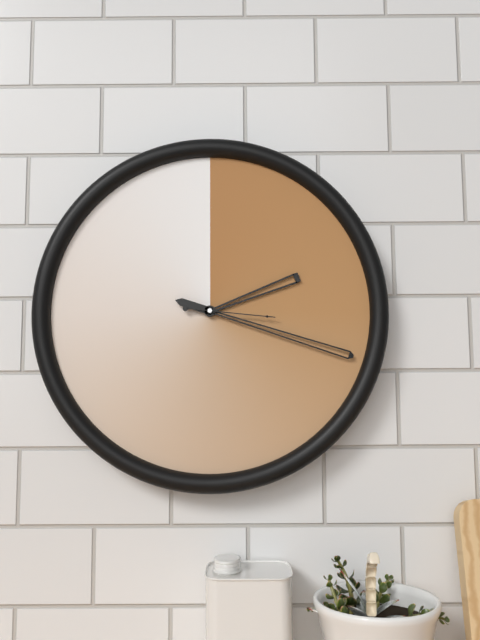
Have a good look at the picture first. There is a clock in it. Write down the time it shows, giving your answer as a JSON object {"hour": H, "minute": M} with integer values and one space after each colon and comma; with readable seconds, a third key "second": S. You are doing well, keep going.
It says {"hour": 2, "minute": 18, "second": 16}
